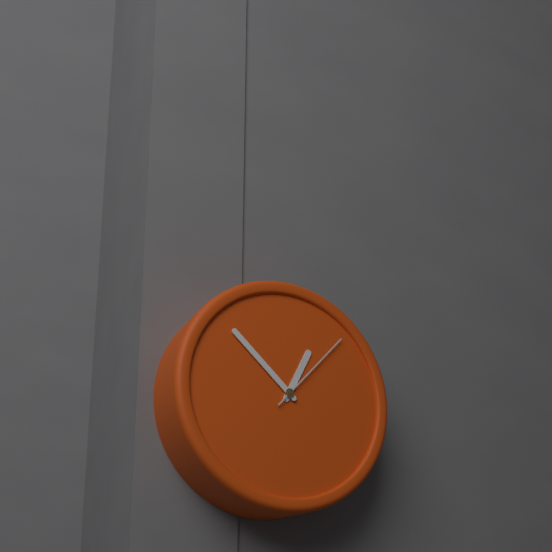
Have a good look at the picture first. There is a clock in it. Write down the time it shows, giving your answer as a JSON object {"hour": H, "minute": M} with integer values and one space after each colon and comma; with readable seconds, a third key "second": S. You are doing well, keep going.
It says {"hour": 12, "minute": 52, "second": 7}
